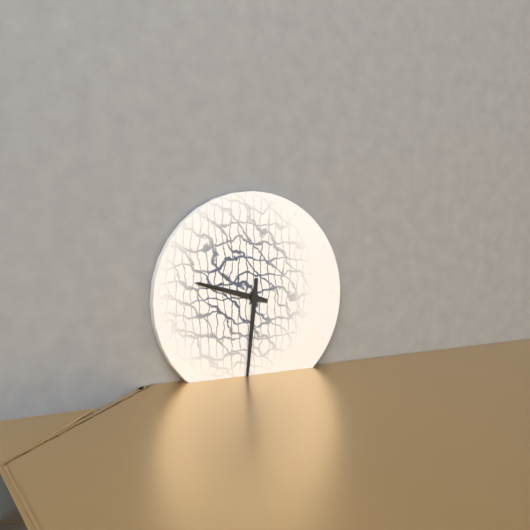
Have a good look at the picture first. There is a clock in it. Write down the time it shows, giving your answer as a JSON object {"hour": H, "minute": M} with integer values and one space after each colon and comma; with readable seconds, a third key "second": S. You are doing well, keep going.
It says {"hour": 9, "minute": 31}
